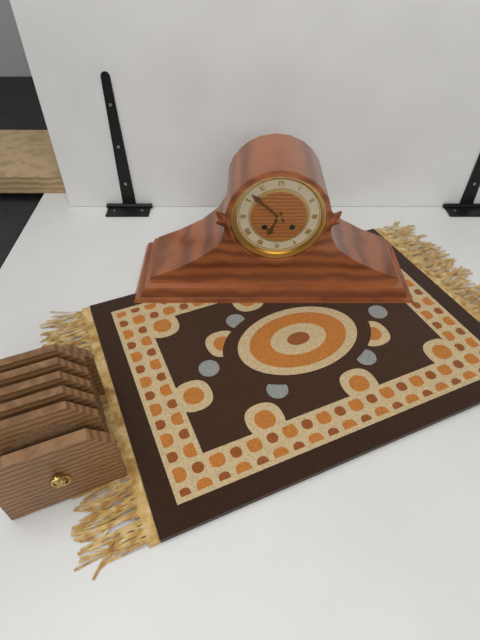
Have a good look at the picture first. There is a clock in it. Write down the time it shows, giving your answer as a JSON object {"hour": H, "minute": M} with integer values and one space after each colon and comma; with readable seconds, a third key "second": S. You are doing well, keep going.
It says {"hour": 6, "minute": 52}
